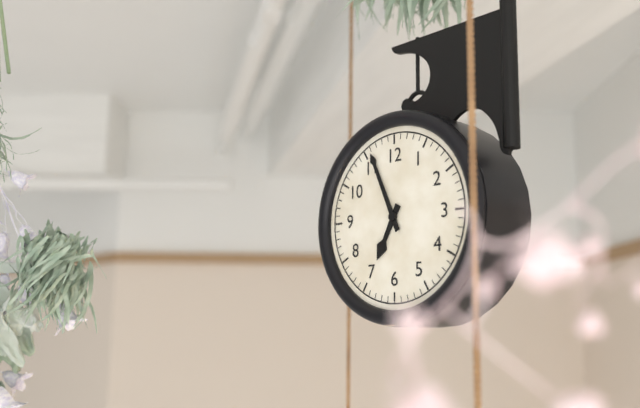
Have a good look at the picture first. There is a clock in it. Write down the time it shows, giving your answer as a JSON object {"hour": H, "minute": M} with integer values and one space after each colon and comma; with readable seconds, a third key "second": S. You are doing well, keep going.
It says {"hour": 6, "minute": 56}
